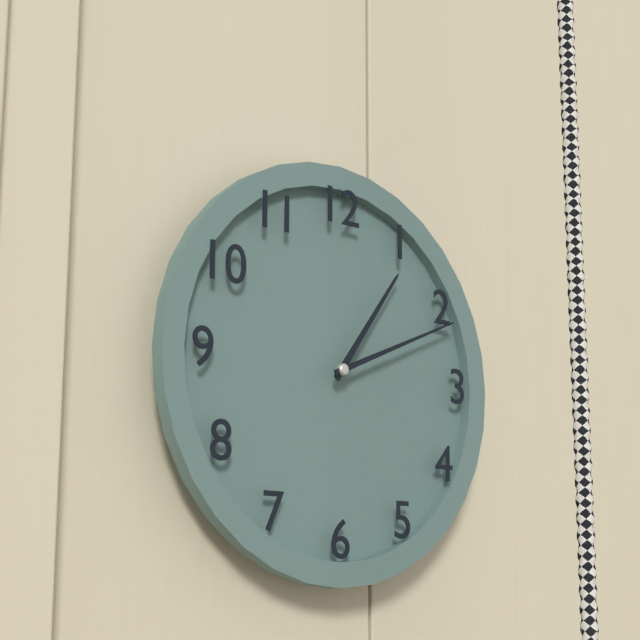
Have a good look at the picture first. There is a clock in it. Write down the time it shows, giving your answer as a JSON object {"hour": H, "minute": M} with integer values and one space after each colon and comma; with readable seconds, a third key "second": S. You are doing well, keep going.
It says {"hour": 1, "minute": 11}
